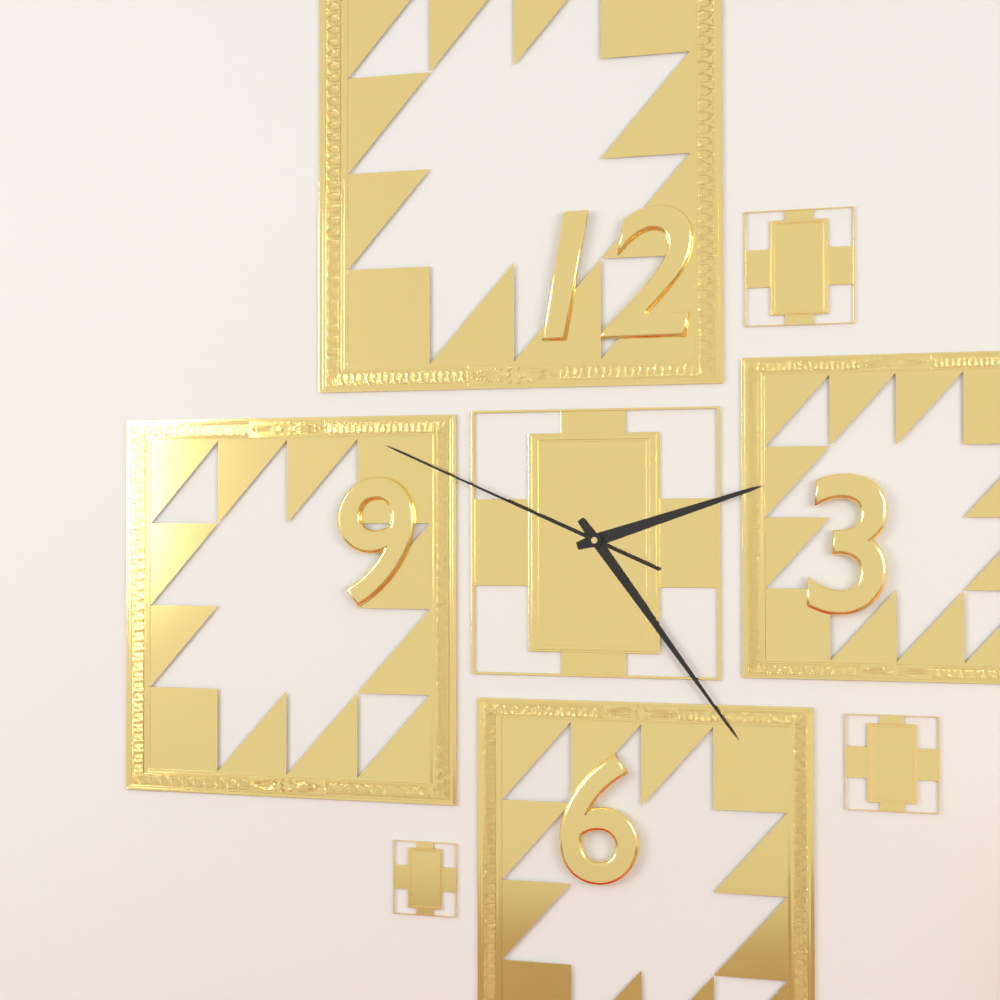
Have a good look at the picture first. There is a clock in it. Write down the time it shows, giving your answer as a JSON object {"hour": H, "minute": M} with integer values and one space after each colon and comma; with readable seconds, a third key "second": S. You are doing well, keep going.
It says {"hour": 2, "minute": 24, "second": 49}
